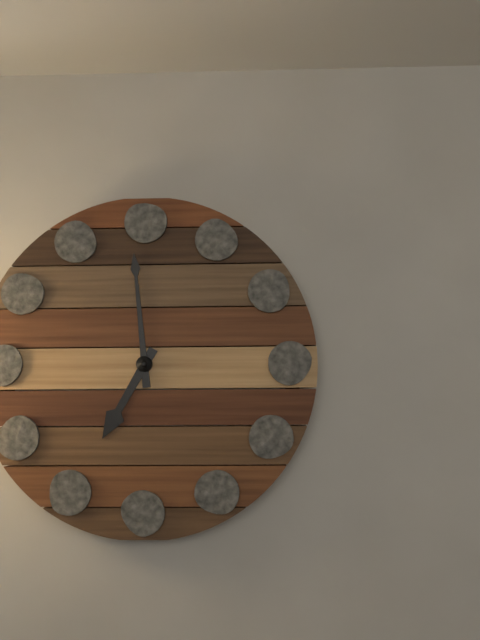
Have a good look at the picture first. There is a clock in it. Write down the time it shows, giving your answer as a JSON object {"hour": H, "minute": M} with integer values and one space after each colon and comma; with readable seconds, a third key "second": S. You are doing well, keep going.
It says {"hour": 6, "minute": 59}
